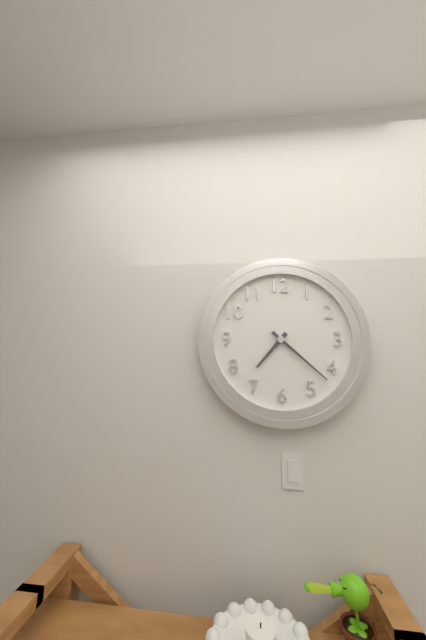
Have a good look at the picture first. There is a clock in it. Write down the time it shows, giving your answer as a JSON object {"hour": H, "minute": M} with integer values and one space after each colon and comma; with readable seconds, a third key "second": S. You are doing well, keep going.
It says {"hour": 7, "minute": 22}
